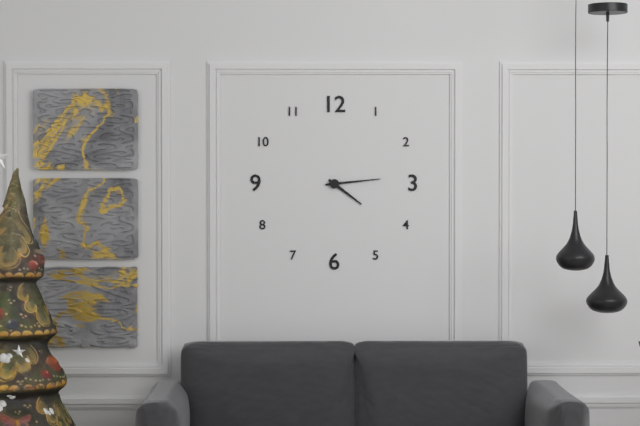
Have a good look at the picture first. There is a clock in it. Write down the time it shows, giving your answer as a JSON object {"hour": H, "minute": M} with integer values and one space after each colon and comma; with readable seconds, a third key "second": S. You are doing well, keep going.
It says {"hour": 4, "minute": 14}
